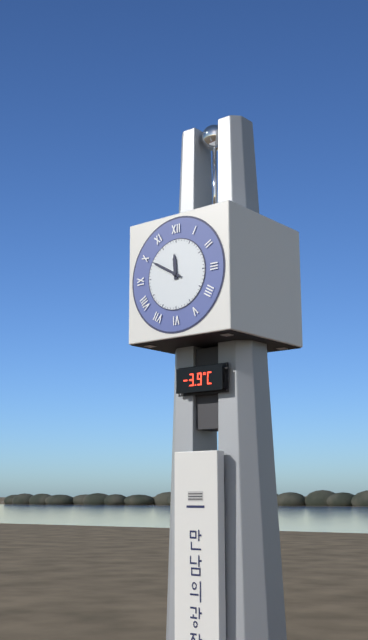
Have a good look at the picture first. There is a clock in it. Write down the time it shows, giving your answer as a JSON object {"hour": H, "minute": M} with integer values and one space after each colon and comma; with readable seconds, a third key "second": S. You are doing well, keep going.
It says {"hour": 11, "minute": 50}
